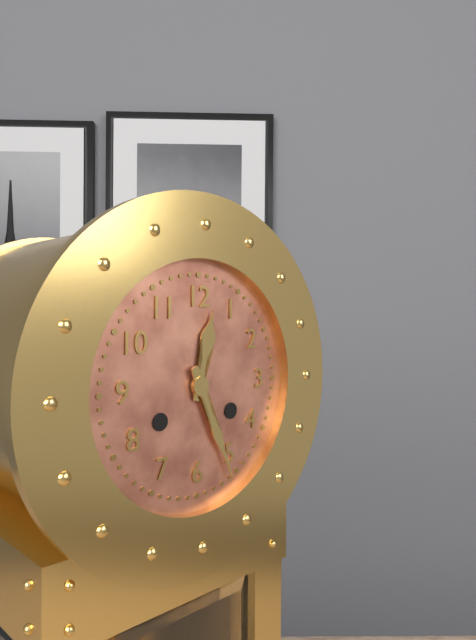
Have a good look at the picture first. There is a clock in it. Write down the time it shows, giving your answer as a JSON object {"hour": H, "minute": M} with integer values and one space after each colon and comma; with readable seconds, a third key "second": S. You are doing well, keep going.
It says {"hour": 12, "minute": 26}
